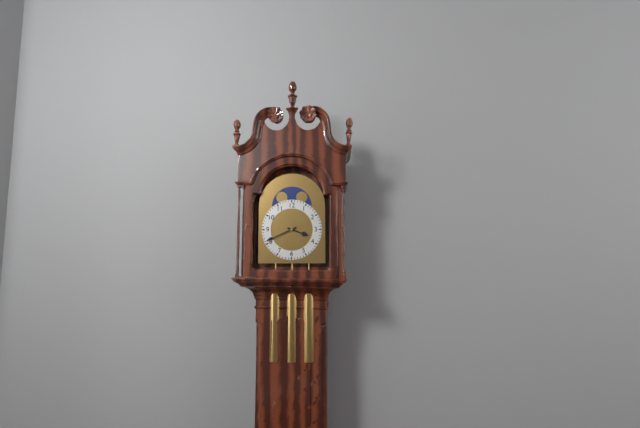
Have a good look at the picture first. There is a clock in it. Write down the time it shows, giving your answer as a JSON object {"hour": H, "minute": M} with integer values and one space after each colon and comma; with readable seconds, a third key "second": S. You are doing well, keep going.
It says {"hour": 3, "minute": 41}
